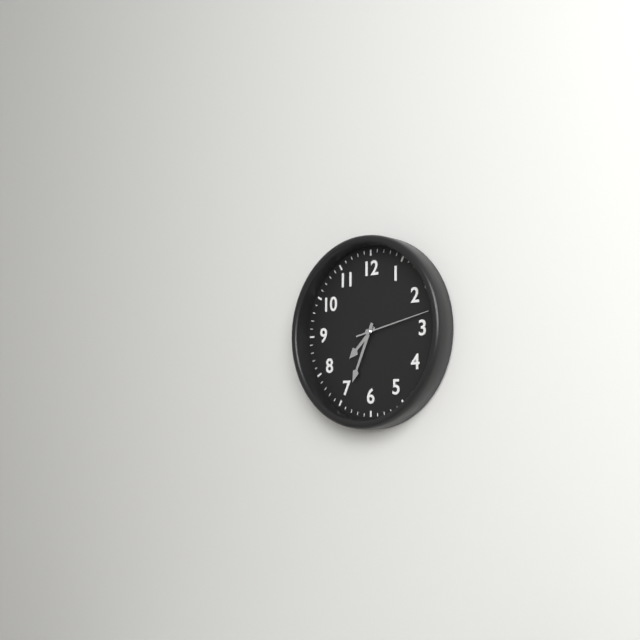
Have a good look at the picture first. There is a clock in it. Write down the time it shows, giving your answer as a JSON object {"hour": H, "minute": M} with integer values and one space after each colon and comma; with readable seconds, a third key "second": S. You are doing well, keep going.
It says {"hour": 7, "minute": 34, "second": 13}
